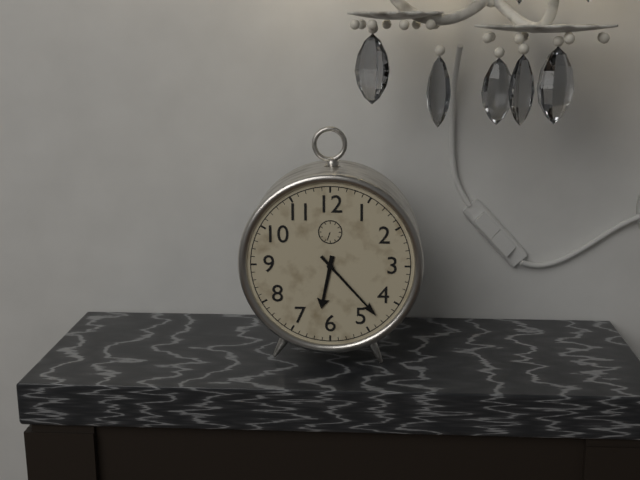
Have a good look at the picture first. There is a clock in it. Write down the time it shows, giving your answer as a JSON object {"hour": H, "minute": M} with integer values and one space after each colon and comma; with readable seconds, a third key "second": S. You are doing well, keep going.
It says {"hour": 6, "minute": 23}
